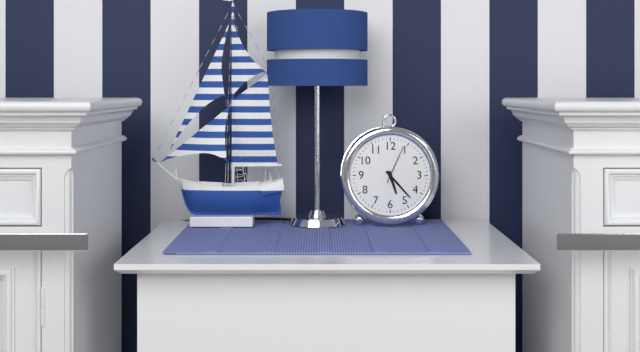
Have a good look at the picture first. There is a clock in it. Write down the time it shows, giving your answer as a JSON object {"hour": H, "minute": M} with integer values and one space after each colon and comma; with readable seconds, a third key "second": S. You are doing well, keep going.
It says {"hour": 5, "minute": 23}
